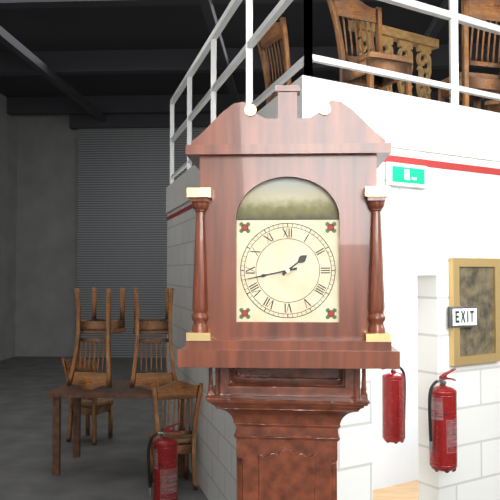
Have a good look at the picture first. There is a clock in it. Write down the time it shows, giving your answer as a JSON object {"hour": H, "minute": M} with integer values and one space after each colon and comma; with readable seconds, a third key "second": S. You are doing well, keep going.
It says {"hour": 1, "minute": 43}
